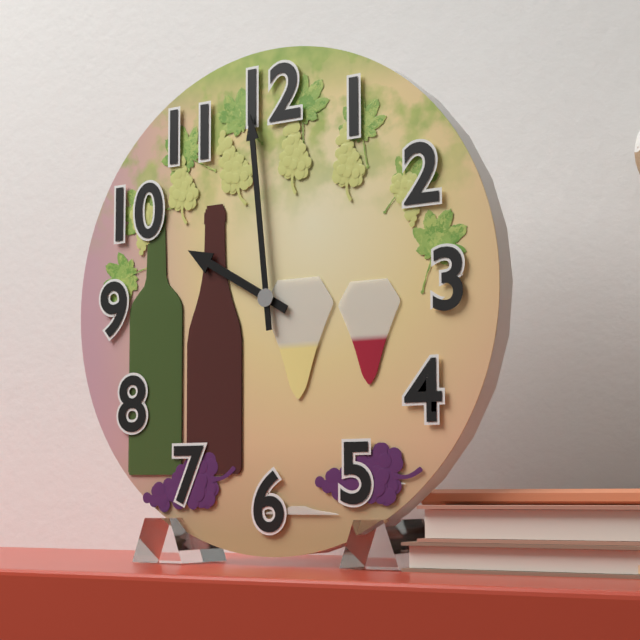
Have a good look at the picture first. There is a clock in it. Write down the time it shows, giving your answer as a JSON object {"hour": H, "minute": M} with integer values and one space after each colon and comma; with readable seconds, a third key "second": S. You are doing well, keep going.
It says {"hour": 9, "minute": 59}
